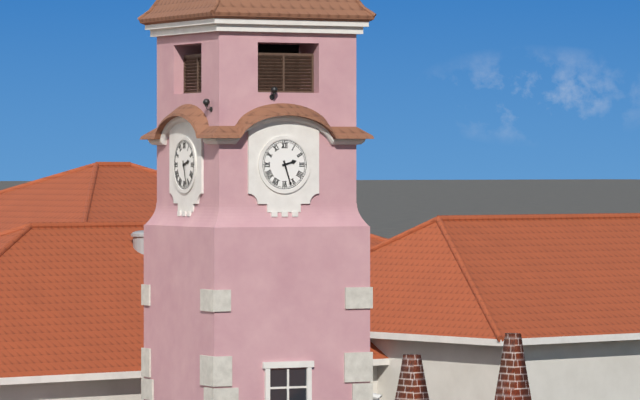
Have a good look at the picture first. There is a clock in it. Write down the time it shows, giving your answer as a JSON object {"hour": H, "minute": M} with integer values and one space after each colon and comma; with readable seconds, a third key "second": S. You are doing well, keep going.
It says {"hour": 2, "minute": 27}
